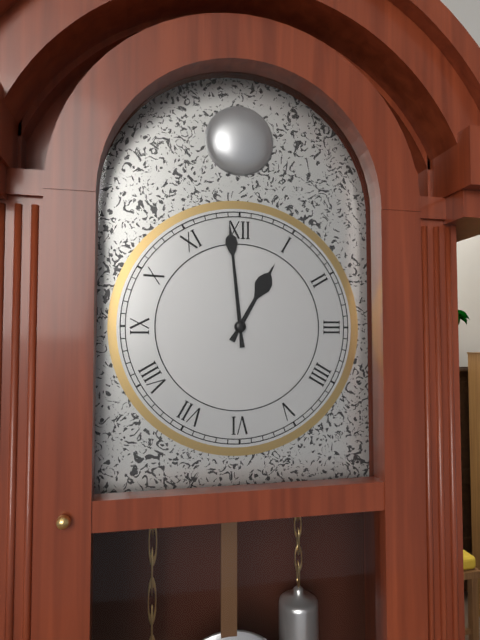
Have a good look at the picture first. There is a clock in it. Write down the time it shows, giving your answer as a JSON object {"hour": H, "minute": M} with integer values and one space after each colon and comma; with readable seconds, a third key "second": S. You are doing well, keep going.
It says {"hour": 12, "minute": 59}
